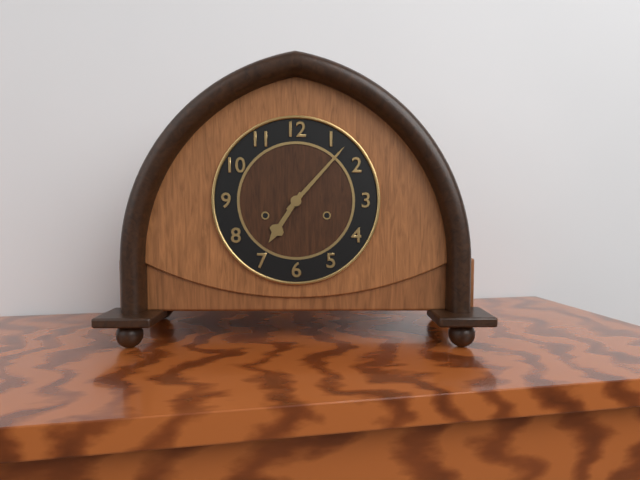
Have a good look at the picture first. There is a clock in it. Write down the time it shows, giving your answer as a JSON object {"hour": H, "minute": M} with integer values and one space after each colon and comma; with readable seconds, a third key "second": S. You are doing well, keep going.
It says {"hour": 7, "minute": 7}
